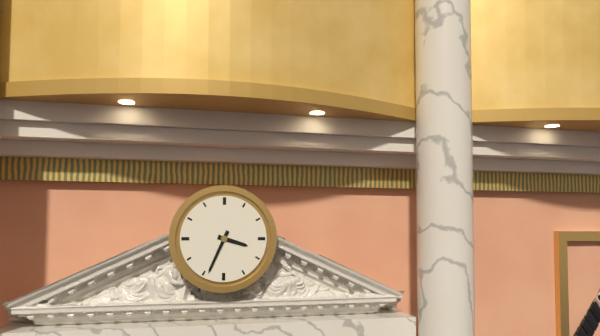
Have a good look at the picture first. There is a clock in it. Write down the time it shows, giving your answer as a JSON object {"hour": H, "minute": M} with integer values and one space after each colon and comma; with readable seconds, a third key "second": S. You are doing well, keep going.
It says {"hour": 3, "minute": 34}
